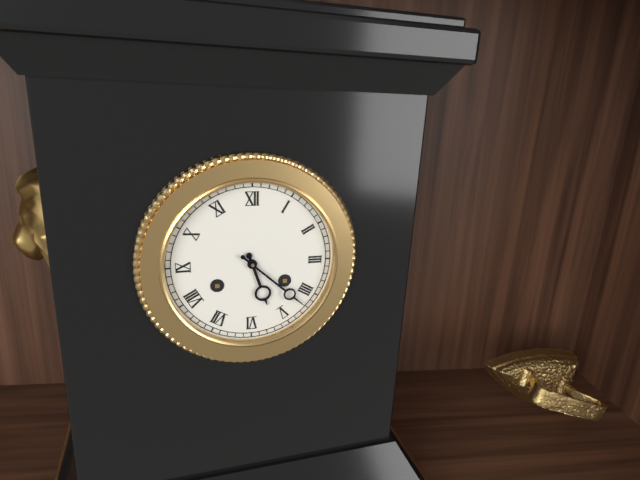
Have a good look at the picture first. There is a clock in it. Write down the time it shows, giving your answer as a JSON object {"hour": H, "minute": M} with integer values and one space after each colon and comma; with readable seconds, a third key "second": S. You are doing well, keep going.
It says {"hour": 5, "minute": 22}
